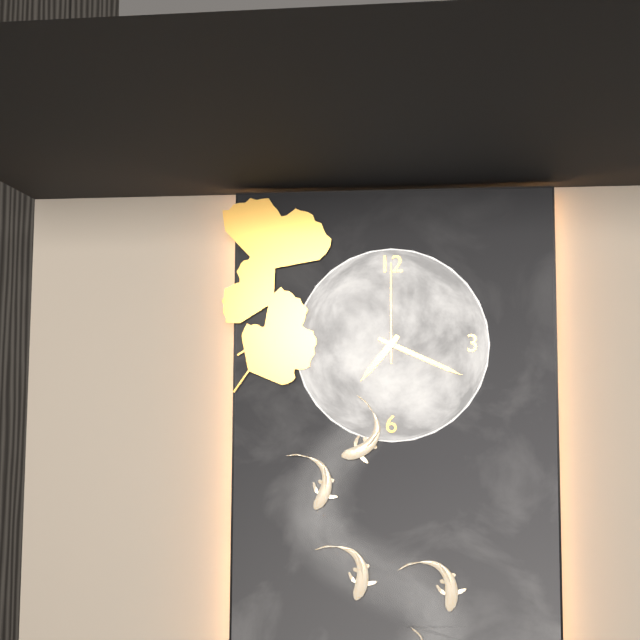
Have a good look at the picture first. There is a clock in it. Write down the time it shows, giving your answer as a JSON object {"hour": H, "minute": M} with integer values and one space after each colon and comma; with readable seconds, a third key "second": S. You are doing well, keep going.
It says {"hour": 7, "minute": 19, "second": 0}
